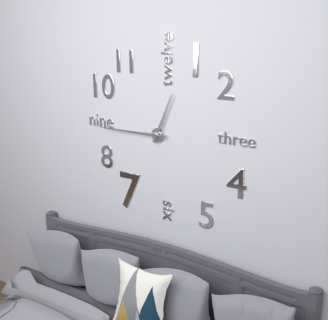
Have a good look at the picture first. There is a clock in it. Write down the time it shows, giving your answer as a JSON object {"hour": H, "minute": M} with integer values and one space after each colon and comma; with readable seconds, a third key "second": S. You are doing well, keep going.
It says {"hour": 12, "minute": 45}
